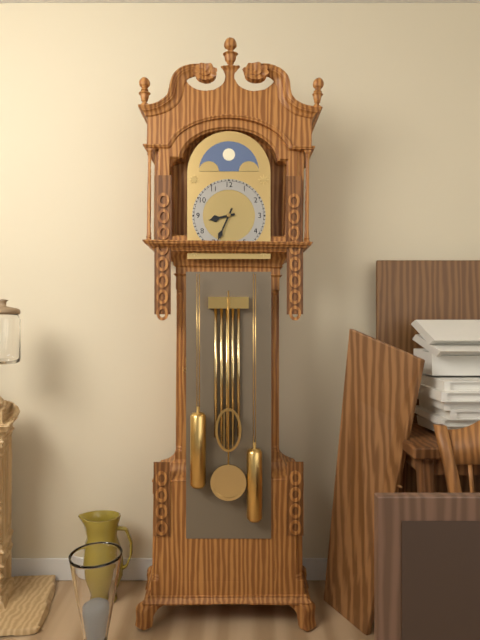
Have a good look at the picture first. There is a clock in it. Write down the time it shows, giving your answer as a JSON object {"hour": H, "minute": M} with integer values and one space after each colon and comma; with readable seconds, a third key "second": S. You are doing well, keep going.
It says {"hour": 8, "minute": 34}
